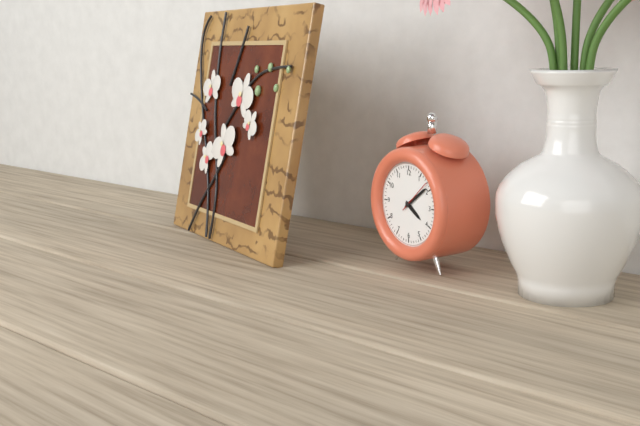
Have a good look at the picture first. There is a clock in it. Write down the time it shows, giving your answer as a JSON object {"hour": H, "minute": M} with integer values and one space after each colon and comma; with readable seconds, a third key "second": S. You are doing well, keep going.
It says {"hour": 4, "minute": 9}
